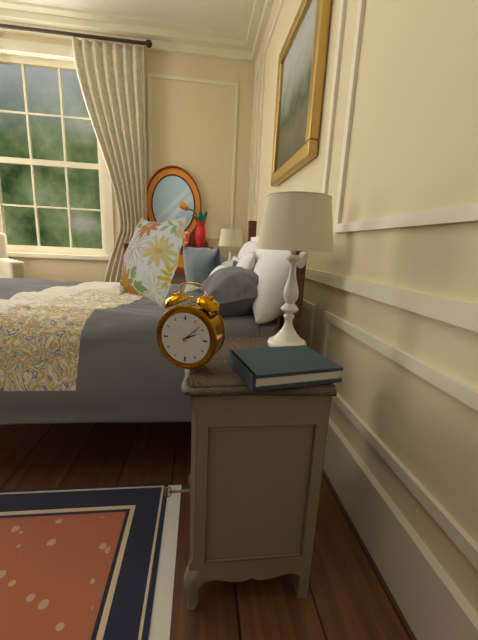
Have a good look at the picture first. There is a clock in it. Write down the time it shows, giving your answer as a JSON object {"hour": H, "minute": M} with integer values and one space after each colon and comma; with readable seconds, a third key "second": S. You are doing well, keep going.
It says {"hour": 2, "minute": 8}
